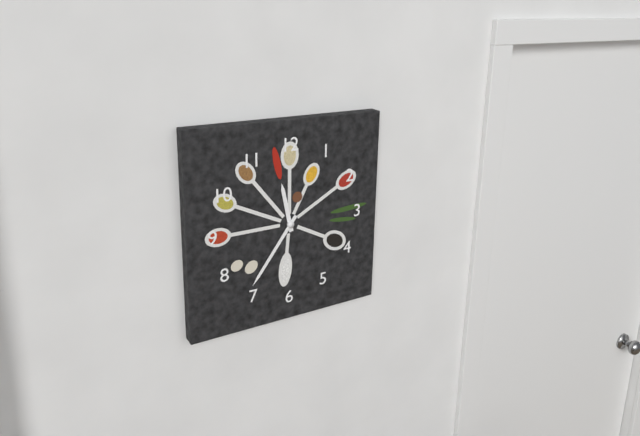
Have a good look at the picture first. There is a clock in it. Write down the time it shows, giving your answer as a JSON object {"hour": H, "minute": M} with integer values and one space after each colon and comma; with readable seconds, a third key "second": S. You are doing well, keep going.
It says {"hour": 11, "minute": 36}
